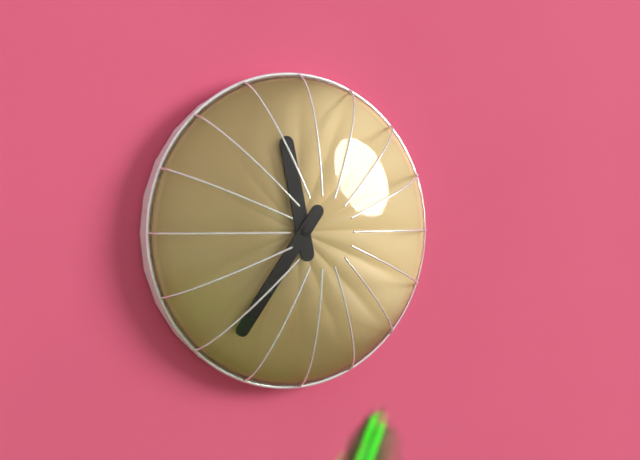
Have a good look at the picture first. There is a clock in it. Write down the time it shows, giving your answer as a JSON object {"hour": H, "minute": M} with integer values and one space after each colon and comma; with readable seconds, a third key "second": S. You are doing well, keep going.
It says {"hour": 11, "minute": 36}
